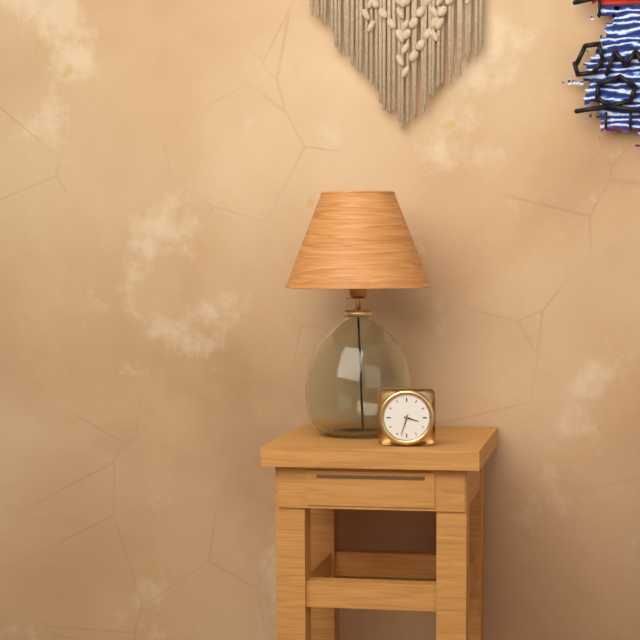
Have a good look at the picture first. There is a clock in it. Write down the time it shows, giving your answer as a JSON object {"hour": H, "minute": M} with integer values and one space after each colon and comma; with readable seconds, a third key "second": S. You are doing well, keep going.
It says {"hour": 3, "minute": 33}
